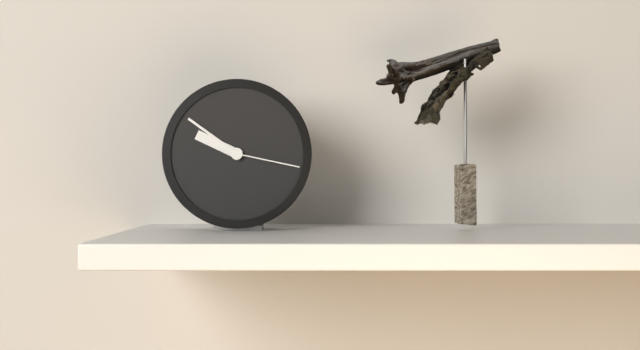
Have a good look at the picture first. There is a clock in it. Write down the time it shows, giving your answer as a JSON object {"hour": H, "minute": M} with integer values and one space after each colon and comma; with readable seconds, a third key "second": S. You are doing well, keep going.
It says {"hour": 9, "minute": 51, "second": 17}
